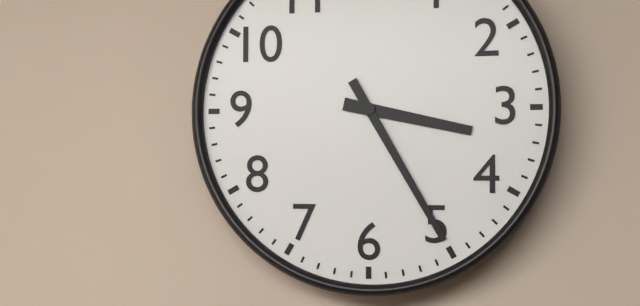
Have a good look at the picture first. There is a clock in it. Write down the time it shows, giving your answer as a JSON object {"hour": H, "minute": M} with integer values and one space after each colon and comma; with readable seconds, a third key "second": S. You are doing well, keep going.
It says {"hour": 3, "minute": 25}
